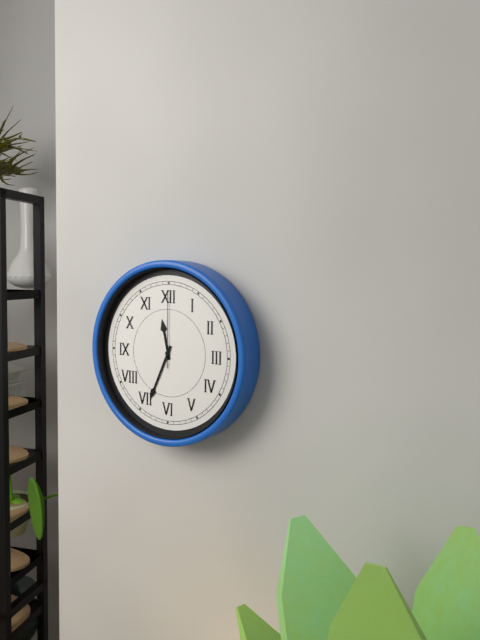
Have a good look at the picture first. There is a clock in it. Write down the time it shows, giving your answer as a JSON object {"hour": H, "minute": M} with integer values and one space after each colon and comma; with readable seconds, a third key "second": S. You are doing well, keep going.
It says {"hour": 11, "minute": 34, "second": 0}
